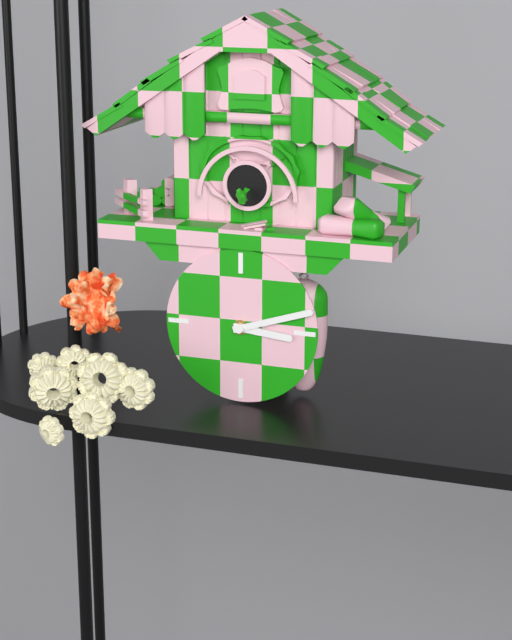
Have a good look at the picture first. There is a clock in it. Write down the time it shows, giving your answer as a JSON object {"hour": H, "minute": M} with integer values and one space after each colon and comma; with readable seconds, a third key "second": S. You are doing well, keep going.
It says {"hour": 3, "minute": 12}
